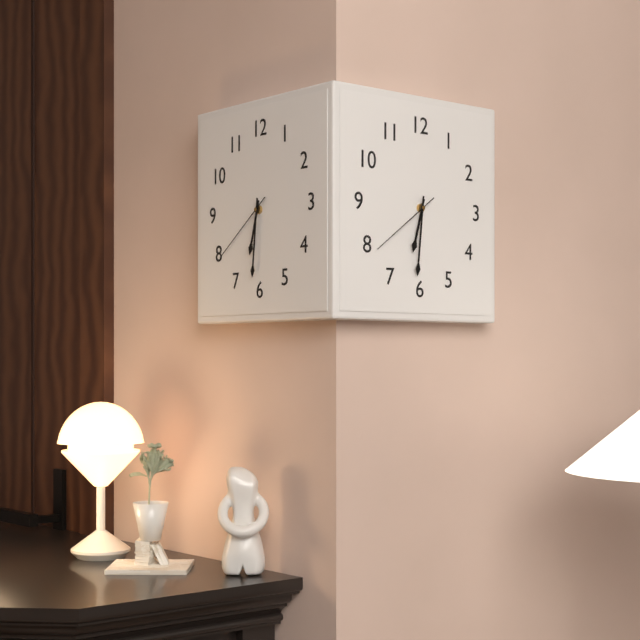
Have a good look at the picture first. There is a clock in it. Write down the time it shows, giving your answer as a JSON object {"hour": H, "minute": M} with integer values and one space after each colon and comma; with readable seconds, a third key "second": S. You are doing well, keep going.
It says {"hour": 6, "minute": 31, "second": 39}
